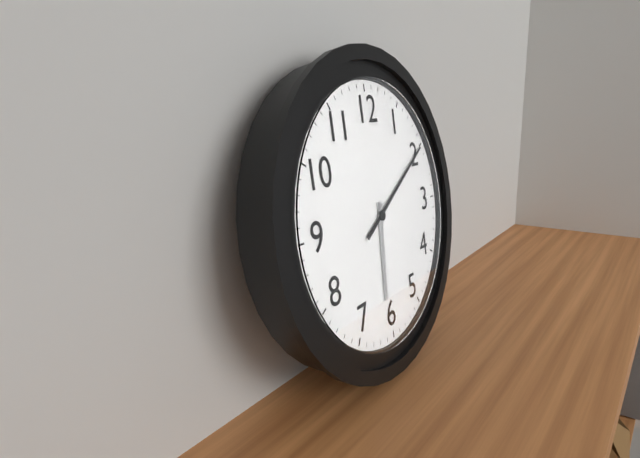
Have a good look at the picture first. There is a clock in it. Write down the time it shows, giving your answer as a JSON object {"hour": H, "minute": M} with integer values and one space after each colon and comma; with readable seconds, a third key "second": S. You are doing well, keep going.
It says {"hour": 6, "minute": 10}
